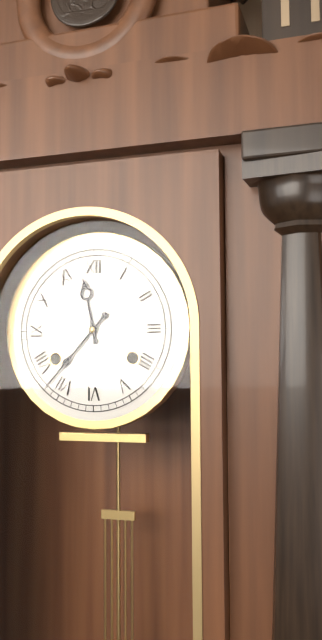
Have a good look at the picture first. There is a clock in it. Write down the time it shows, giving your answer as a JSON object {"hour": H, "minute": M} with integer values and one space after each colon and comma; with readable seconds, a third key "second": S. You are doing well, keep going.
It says {"hour": 11, "minute": 37}
